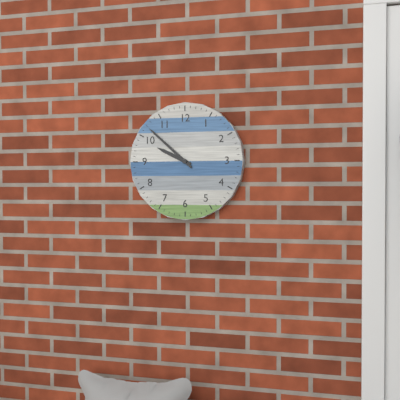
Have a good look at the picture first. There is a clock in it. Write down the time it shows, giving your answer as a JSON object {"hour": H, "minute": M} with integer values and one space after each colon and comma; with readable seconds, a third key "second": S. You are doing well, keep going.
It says {"hour": 9, "minute": 52}
